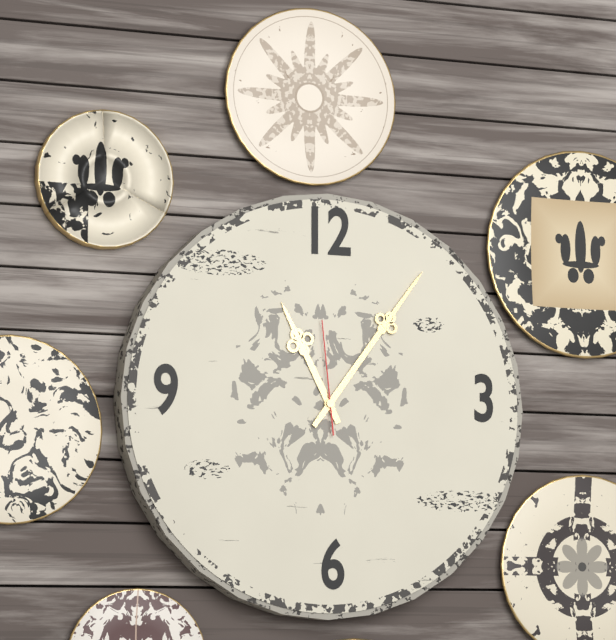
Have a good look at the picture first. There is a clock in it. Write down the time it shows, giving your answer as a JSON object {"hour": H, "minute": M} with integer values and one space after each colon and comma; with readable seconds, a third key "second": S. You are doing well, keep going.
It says {"hour": 11, "minute": 6, "second": 59}
